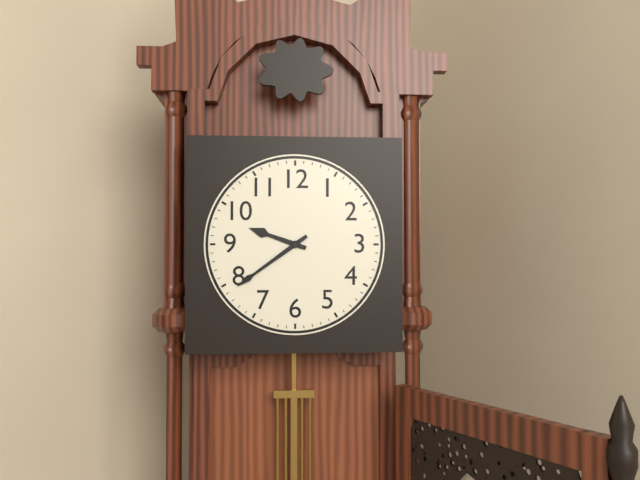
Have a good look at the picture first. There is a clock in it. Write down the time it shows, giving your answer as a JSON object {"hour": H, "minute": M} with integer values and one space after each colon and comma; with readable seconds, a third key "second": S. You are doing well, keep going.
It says {"hour": 9, "minute": 39}
